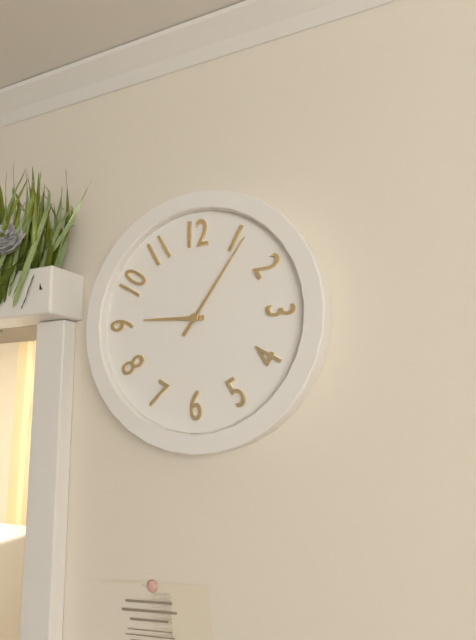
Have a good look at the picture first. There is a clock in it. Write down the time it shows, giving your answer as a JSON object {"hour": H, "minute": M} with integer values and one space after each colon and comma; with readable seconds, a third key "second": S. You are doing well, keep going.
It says {"hour": 9, "minute": 6}
